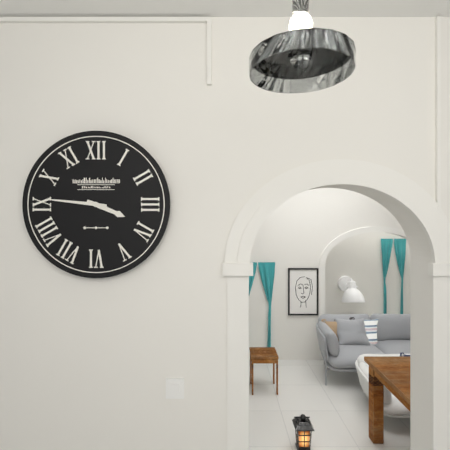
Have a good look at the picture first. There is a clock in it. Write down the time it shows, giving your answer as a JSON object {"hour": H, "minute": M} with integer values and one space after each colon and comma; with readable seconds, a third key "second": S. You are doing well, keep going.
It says {"hour": 3, "minute": 46}
